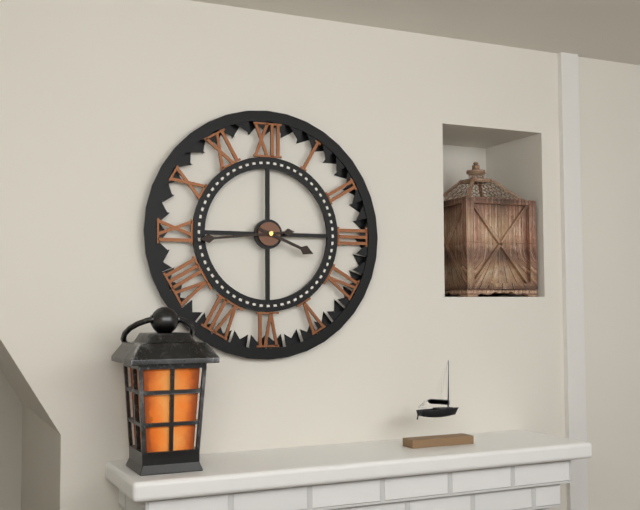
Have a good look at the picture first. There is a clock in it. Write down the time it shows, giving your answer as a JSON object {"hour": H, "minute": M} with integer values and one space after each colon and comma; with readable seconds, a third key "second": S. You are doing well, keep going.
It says {"hour": 3, "minute": 44}
